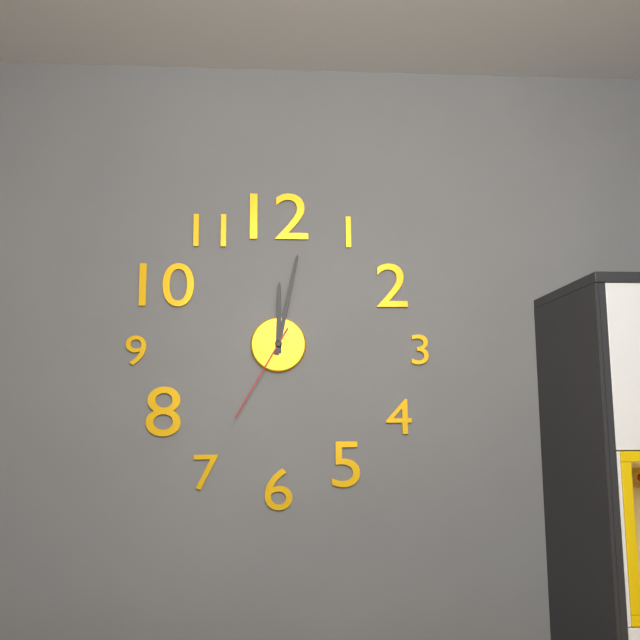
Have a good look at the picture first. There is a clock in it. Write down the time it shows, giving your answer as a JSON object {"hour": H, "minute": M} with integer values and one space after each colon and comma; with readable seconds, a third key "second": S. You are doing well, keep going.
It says {"hour": 12, "minute": 2, "second": 35}
